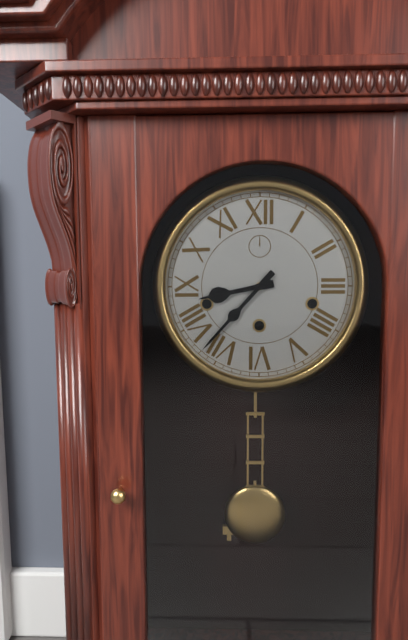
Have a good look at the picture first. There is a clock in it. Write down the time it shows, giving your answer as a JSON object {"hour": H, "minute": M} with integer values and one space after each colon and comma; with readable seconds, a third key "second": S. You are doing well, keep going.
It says {"hour": 8, "minute": 37}
